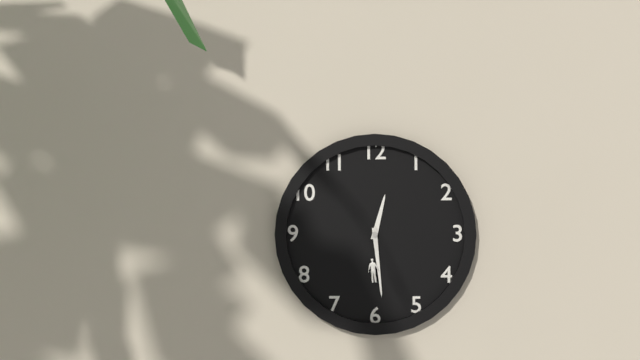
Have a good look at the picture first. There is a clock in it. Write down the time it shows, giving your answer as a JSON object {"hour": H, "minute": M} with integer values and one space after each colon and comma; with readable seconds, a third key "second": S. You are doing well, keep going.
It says {"hour": 12, "minute": 29}
